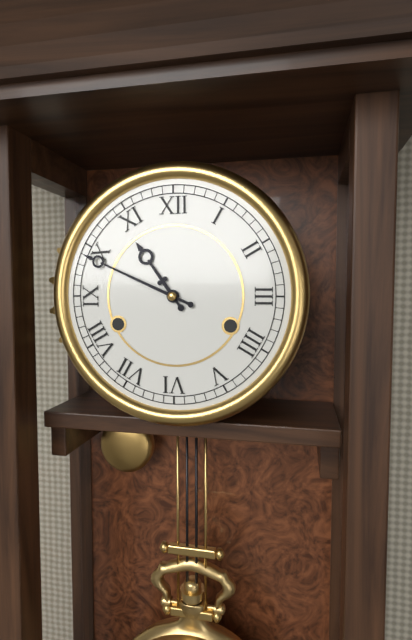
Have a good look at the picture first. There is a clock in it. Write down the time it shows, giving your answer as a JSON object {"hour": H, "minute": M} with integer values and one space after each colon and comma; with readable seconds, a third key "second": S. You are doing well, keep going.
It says {"hour": 10, "minute": 49}
